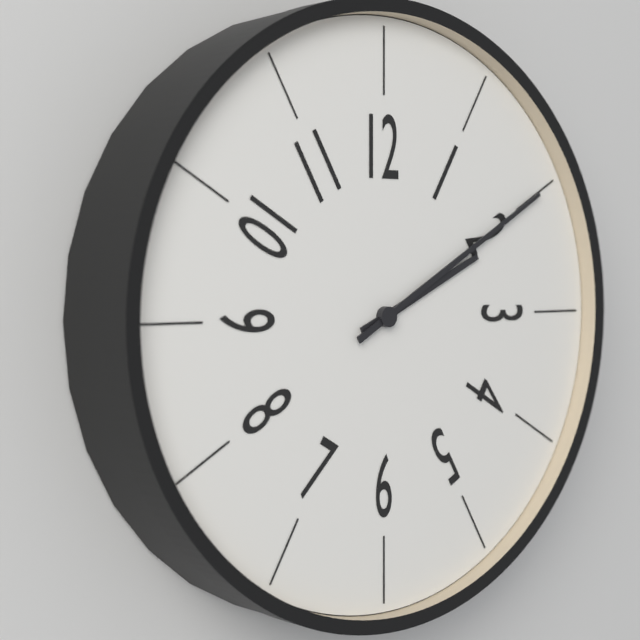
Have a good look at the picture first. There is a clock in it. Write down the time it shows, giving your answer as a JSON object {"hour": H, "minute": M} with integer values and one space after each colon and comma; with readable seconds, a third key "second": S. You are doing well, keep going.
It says {"hour": 2, "minute": 10}
